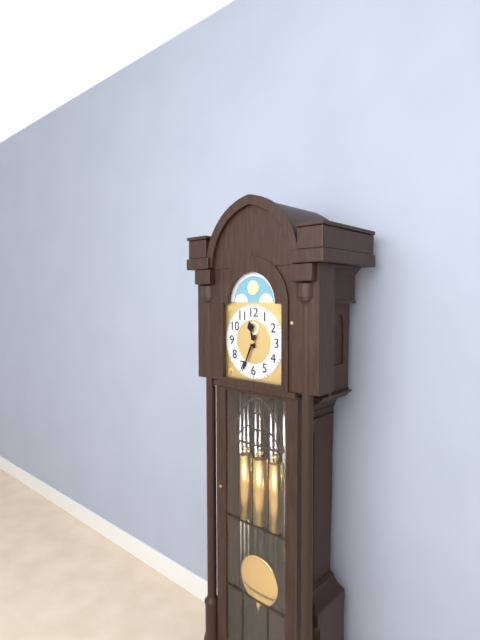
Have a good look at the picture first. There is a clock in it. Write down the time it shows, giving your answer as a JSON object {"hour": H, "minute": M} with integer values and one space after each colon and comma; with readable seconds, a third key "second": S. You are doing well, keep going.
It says {"hour": 11, "minute": 34}
